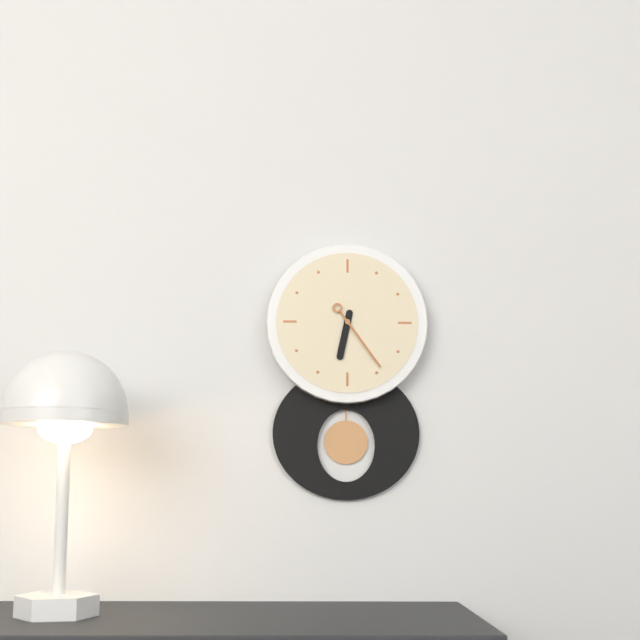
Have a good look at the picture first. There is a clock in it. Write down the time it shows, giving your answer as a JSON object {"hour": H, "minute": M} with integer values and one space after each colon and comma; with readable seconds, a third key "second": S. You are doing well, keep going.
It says {"hour": 6, "minute": 24}
